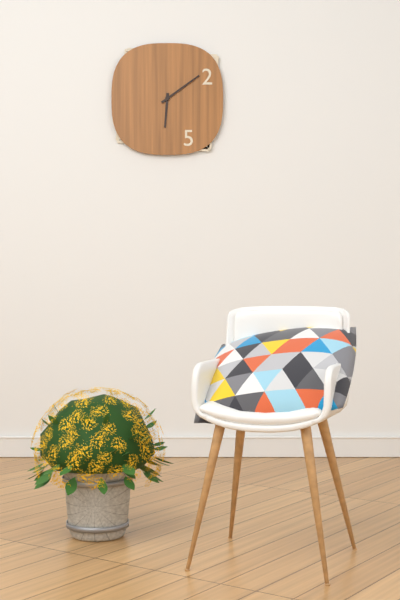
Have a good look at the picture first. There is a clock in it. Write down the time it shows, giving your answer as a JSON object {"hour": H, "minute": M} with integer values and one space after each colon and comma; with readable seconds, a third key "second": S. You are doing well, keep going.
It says {"hour": 6, "minute": 9}
